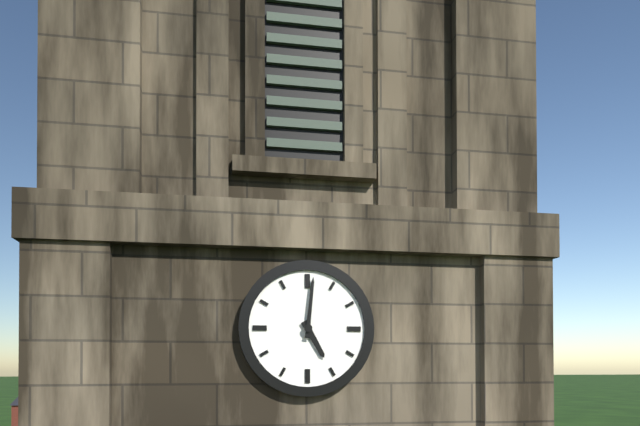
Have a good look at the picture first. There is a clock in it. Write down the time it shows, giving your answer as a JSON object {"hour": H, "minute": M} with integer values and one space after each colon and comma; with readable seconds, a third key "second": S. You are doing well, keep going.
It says {"hour": 5, "minute": 1}
